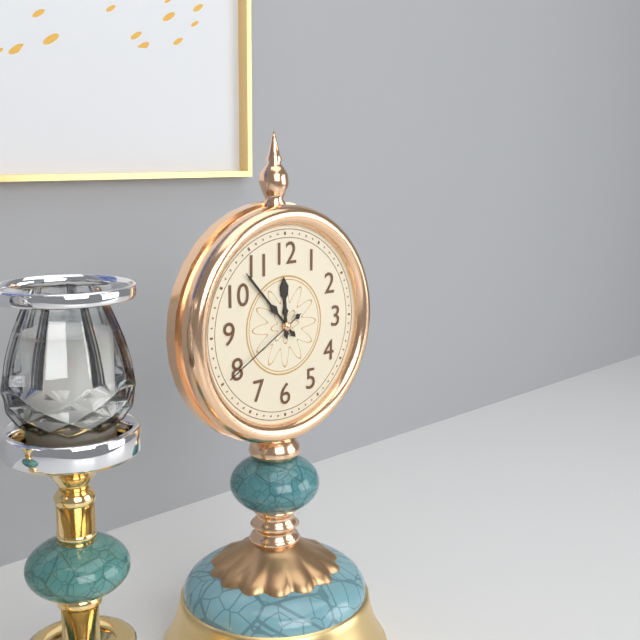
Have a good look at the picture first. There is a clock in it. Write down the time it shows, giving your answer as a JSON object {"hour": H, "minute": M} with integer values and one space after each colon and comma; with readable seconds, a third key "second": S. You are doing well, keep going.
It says {"hour": 11, "minute": 53, "second": 40}
